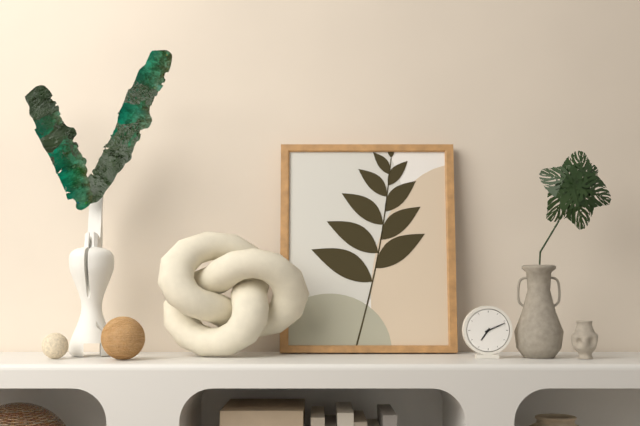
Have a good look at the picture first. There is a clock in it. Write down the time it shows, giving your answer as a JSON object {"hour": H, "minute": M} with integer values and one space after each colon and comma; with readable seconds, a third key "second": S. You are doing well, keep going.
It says {"hour": 7, "minute": 11}
